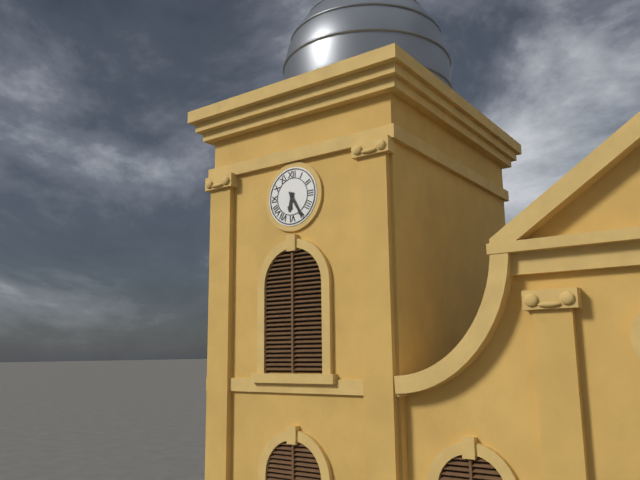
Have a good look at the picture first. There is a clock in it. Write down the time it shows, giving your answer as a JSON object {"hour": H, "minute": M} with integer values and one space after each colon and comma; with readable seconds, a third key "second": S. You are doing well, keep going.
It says {"hour": 6, "minute": 25}
